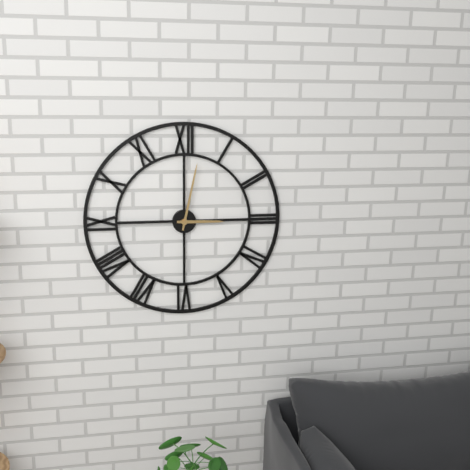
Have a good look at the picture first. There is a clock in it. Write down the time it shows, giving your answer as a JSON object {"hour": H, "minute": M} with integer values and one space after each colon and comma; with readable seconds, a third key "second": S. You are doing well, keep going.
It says {"hour": 3, "minute": 2}
